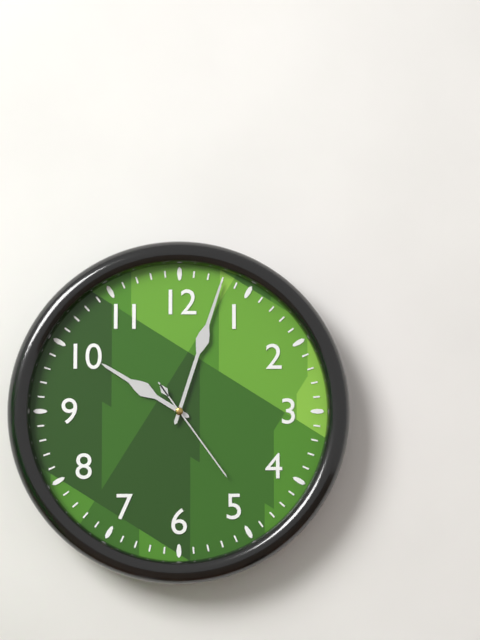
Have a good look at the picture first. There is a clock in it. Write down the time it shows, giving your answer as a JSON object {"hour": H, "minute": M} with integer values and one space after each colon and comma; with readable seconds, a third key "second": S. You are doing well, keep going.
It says {"hour": 10, "minute": 3, "second": 24}
